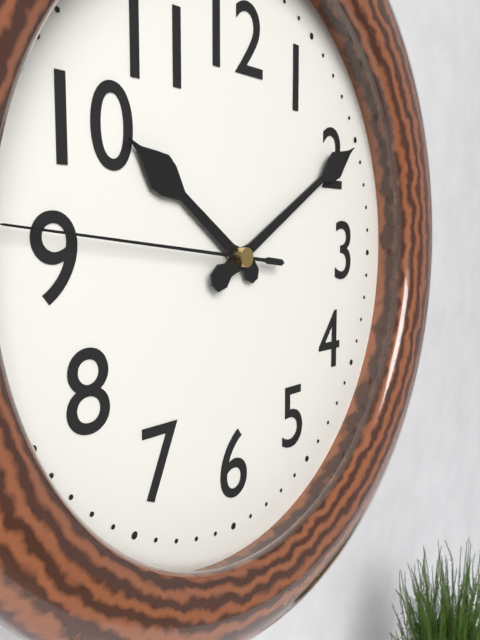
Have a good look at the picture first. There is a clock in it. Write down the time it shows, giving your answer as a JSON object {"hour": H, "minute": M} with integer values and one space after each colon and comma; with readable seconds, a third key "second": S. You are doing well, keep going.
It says {"hour": 10, "minute": 10}
